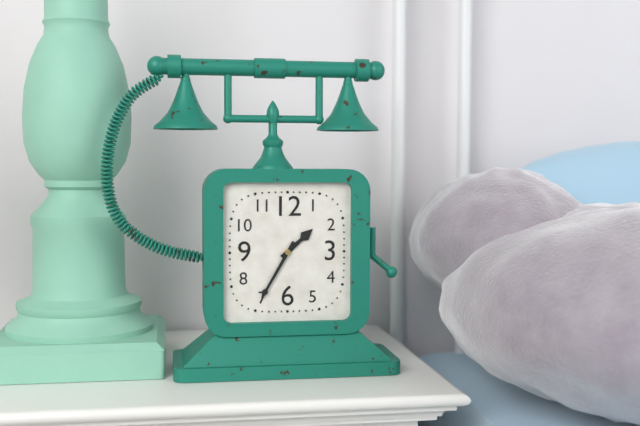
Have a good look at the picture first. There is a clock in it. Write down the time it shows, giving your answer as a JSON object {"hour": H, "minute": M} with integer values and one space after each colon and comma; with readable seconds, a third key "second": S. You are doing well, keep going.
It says {"hour": 1, "minute": 35}
